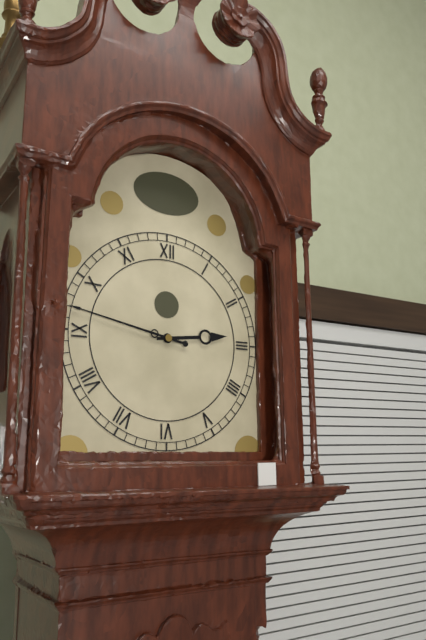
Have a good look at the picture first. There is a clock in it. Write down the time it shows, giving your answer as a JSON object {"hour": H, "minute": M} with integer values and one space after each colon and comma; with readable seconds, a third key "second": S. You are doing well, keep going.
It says {"hour": 2, "minute": 47}
